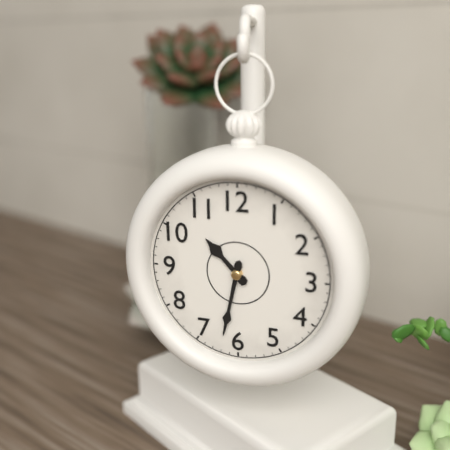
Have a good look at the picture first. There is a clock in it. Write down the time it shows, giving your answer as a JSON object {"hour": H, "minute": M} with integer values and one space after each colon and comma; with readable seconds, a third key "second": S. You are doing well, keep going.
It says {"hour": 10, "minute": 32}
